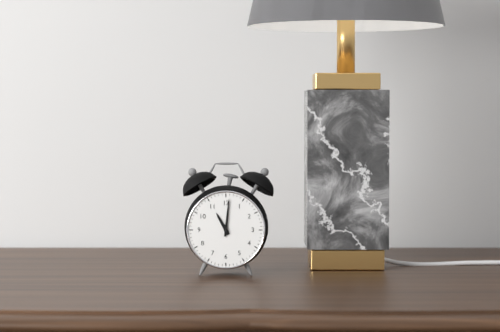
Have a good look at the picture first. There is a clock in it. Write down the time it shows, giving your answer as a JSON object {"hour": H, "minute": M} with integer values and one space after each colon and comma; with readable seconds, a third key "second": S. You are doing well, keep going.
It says {"hour": 11, "minute": 1}
